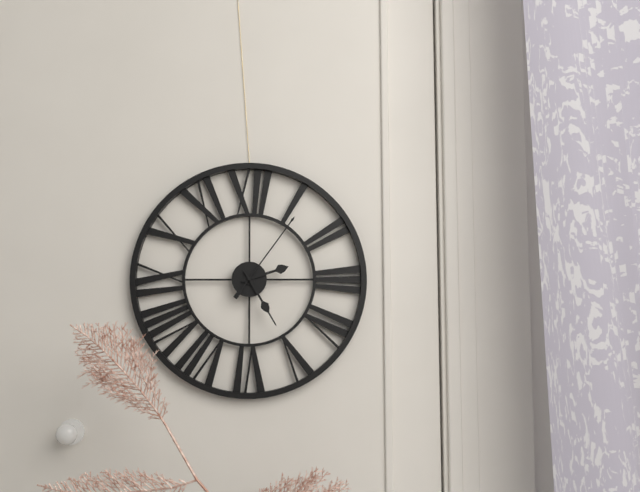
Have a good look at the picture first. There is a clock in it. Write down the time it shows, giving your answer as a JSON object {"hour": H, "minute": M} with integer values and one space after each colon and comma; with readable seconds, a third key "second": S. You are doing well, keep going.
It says {"hour": 2, "minute": 25, "second": 6}
